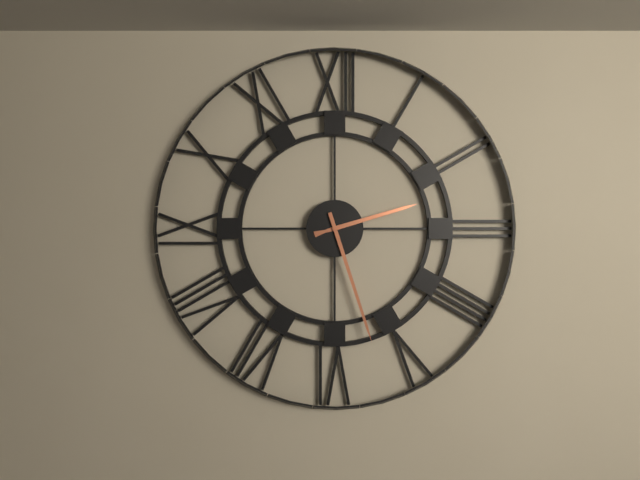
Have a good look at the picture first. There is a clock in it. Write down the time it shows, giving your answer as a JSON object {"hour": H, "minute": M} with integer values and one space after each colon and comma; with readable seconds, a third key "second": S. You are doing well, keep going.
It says {"hour": 2, "minute": 27}
